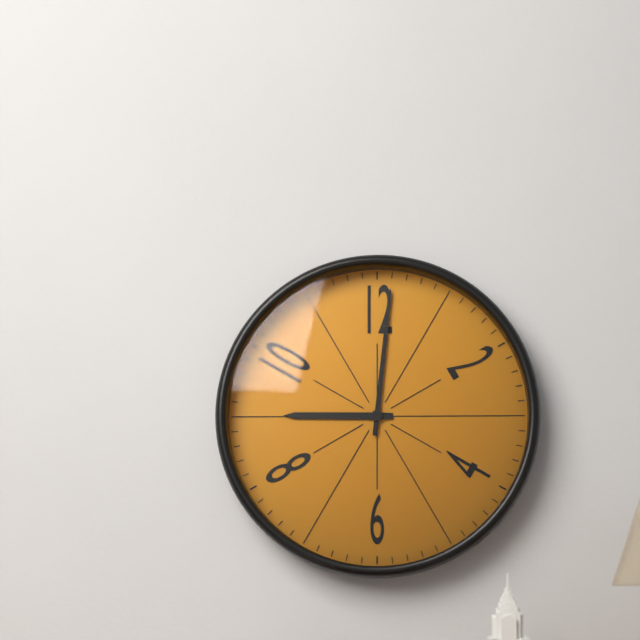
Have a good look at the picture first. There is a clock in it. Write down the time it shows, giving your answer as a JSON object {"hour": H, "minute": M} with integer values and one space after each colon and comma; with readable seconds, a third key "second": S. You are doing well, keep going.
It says {"hour": 9, "minute": 1}
